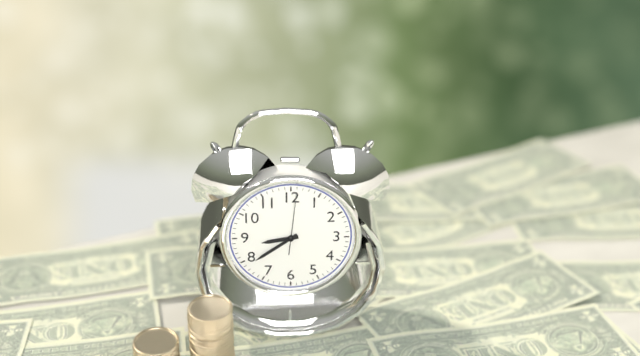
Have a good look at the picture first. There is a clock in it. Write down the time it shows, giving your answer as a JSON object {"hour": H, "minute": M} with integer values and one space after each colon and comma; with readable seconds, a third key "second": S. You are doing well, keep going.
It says {"hour": 8, "minute": 39, "second": 1}
